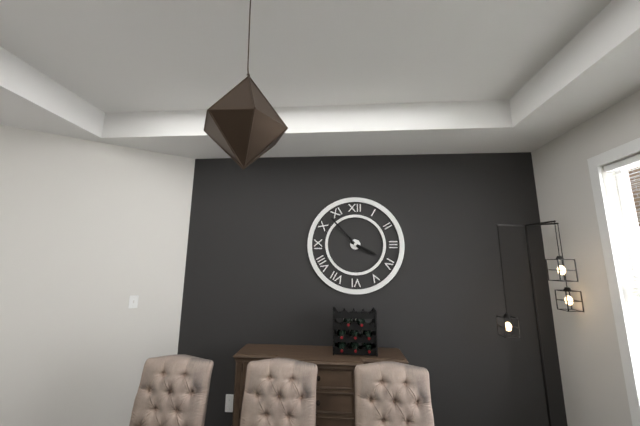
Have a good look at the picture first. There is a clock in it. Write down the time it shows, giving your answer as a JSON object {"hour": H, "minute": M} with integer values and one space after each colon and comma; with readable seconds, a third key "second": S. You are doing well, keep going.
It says {"hour": 3, "minute": 53}
